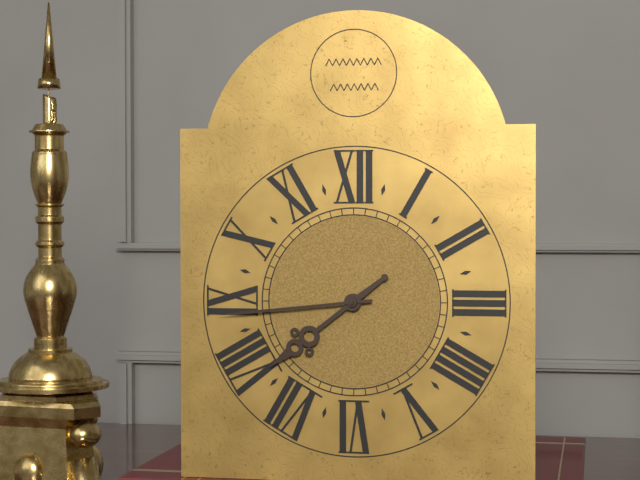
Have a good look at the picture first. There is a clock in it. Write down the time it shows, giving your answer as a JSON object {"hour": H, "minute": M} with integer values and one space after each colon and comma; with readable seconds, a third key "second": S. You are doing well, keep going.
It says {"hour": 7, "minute": 44}
